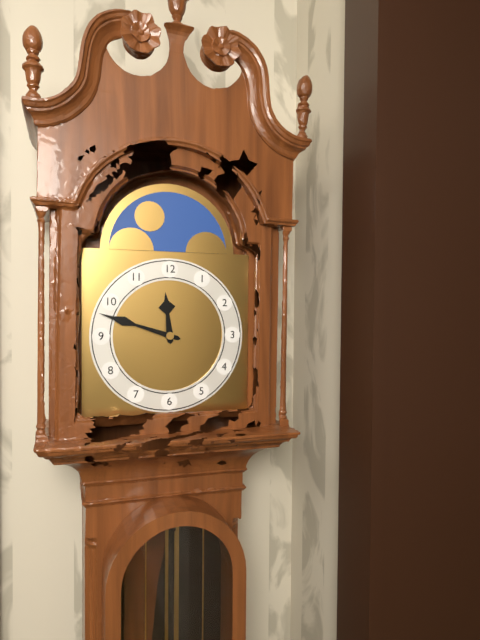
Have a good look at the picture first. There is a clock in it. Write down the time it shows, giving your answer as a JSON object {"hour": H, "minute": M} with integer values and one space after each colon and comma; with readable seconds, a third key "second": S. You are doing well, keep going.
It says {"hour": 11, "minute": 48}
